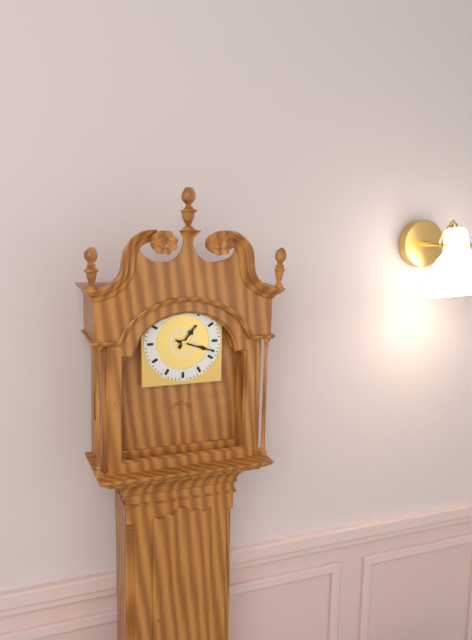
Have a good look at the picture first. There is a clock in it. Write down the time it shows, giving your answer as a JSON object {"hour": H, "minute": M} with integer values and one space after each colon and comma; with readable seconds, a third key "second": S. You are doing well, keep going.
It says {"hour": 1, "minute": 18}
